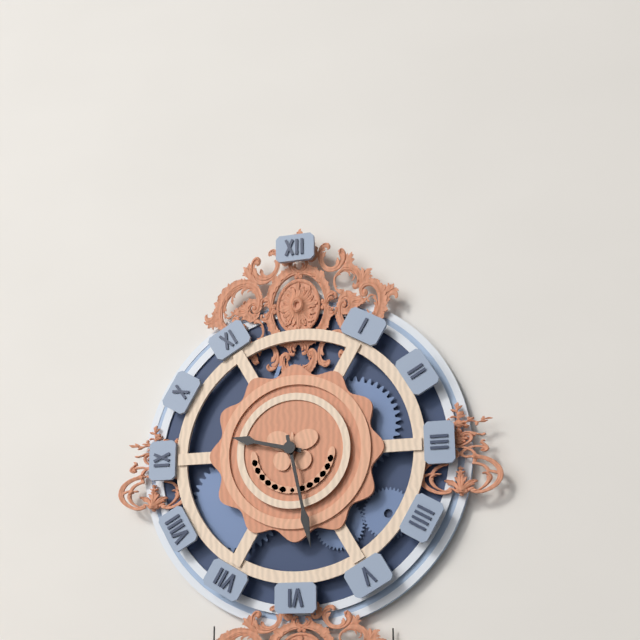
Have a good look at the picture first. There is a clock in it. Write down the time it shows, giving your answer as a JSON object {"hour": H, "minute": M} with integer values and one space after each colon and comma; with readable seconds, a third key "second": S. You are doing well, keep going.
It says {"hour": 9, "minute": 28}
